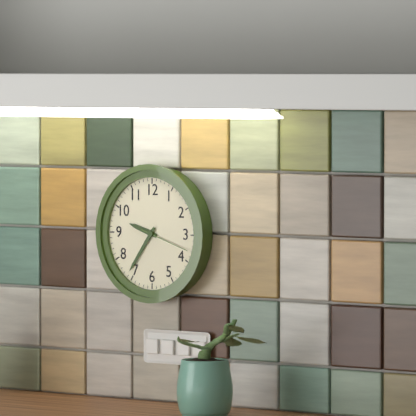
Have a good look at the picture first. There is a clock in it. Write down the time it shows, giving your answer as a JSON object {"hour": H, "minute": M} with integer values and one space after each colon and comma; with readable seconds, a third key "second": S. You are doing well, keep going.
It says {"hour": 9, "minute": 36}
